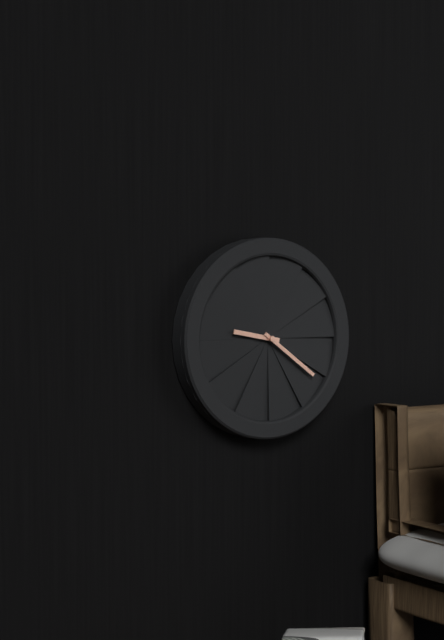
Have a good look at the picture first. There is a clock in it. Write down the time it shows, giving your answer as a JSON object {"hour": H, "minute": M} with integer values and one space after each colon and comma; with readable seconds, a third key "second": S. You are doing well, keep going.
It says {"hour": 9, "minute": 21}
